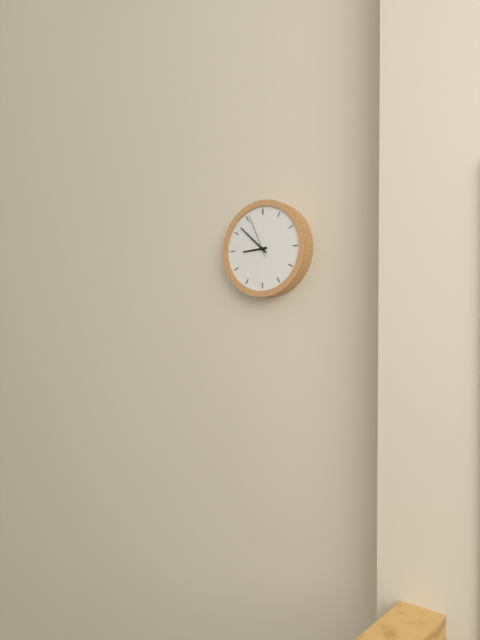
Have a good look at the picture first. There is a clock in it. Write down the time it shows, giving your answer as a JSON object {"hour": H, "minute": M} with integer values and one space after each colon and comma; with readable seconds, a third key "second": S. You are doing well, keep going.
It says {"hour": 8, "minute": 52}
